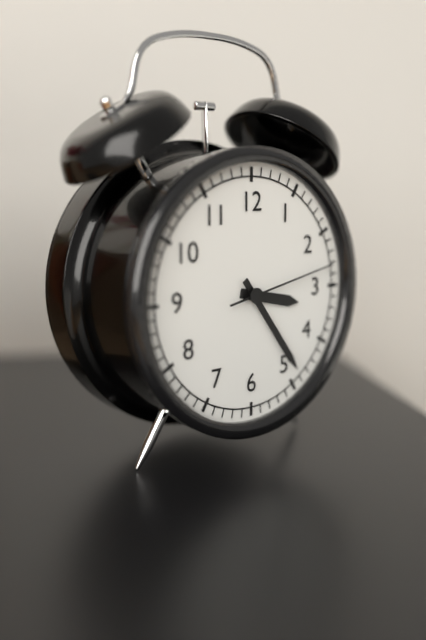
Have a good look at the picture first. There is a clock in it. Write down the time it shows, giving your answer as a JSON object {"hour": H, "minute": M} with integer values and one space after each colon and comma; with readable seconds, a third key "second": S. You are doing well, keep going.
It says {"hour": 3, "minute": 24, "second": 13}
